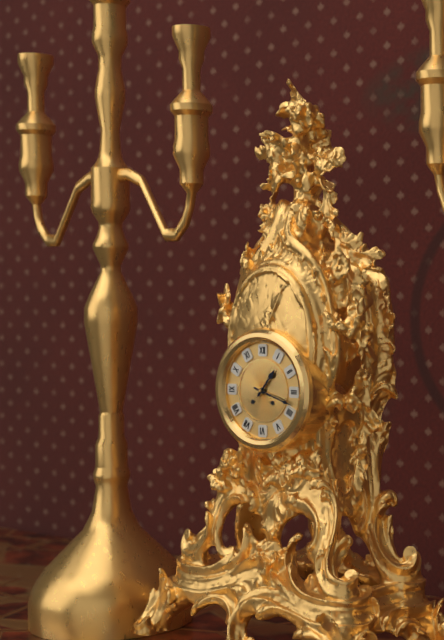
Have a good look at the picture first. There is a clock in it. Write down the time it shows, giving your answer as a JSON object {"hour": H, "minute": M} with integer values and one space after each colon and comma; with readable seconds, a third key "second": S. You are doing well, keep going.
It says {"hour": 1, "minute": 18}
